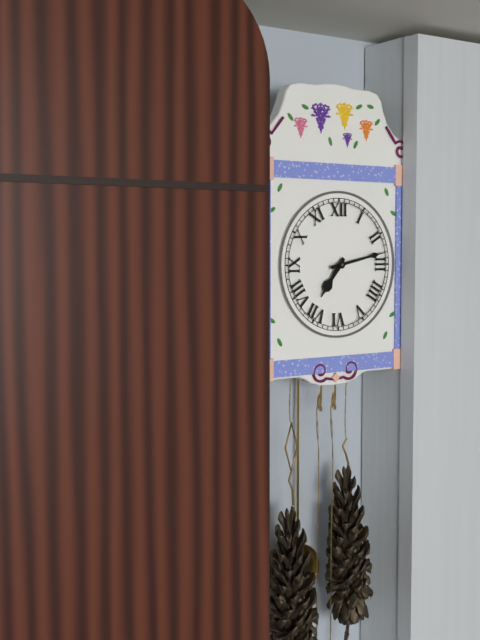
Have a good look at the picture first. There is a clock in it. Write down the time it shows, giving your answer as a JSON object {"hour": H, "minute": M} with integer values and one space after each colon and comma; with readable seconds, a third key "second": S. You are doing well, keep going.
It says {"hour": 7, "minute": 13}
